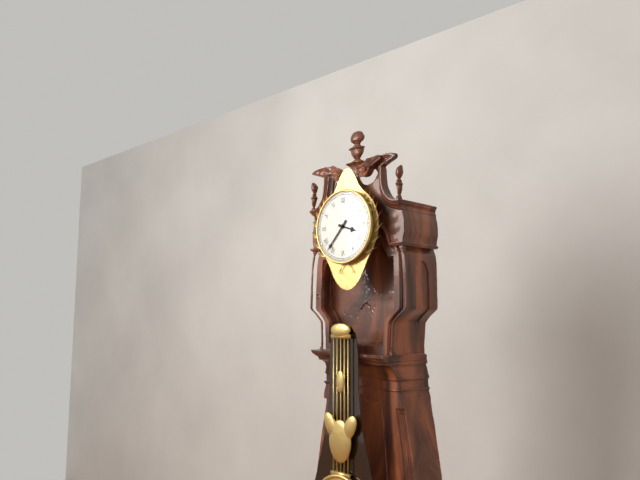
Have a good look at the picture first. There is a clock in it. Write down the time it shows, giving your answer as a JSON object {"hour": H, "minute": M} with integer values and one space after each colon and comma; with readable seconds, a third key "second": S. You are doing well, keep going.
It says {"hour": 3, "minute": 37}
